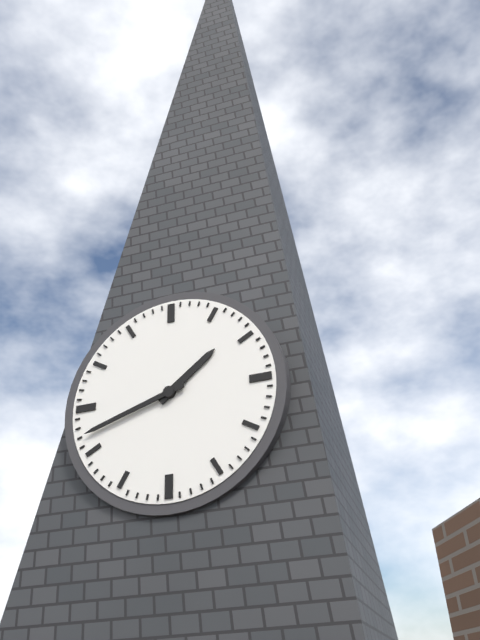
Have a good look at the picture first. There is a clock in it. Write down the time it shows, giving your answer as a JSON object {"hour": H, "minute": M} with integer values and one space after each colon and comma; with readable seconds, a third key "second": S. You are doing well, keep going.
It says {"hour": 1, "minute": 42}
